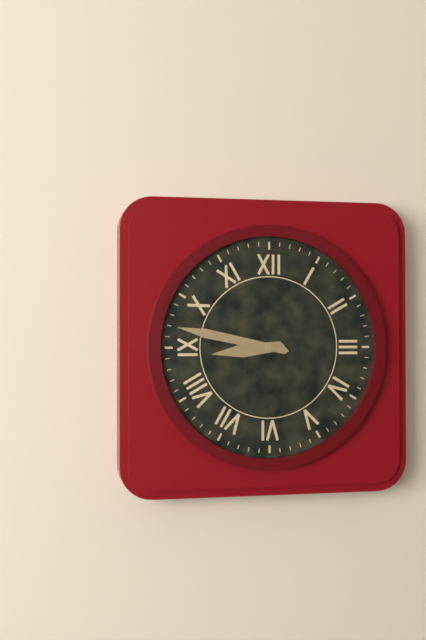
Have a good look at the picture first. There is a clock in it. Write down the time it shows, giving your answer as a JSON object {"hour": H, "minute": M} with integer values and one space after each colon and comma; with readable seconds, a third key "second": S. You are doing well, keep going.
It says {"hour": 8, "minute": 47}
